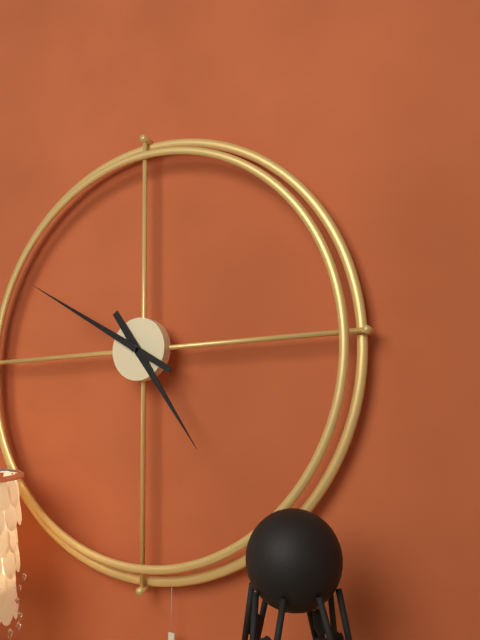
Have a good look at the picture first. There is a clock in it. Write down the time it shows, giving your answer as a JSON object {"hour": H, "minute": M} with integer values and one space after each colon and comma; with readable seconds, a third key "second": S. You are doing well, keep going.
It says {"hour": 4, "minute": 50}
